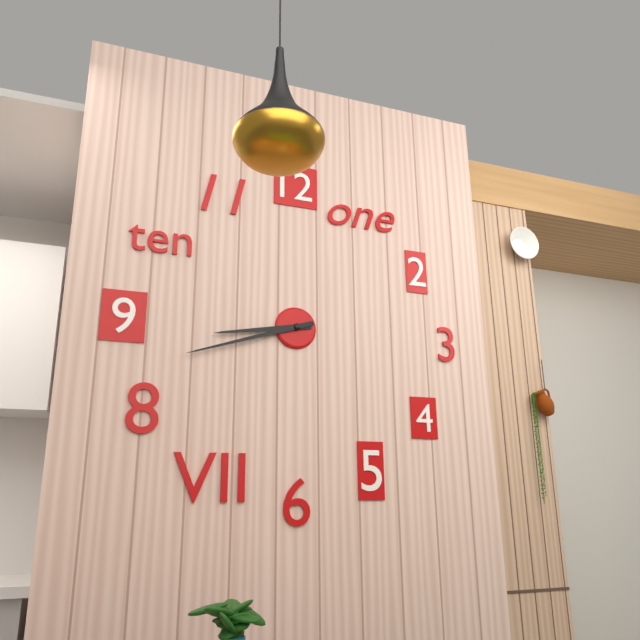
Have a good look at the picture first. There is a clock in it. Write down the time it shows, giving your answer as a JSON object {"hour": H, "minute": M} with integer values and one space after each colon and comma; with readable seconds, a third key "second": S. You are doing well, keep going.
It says {"hour": 8, "minute": 42}
